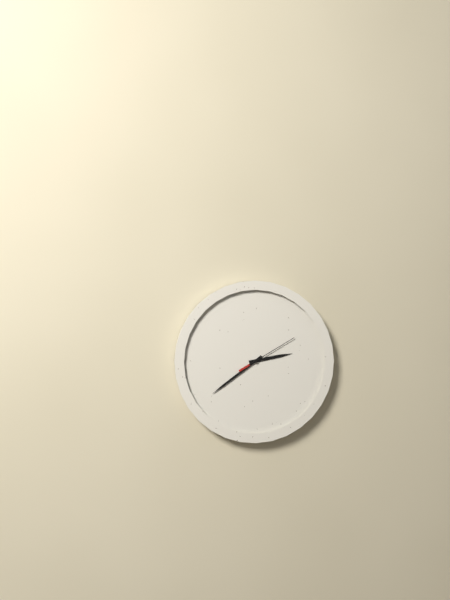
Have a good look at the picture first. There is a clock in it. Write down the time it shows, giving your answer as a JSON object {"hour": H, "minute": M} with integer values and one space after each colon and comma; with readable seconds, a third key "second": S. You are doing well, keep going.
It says {"hour": 2, "minute": 39, "second": 10}
